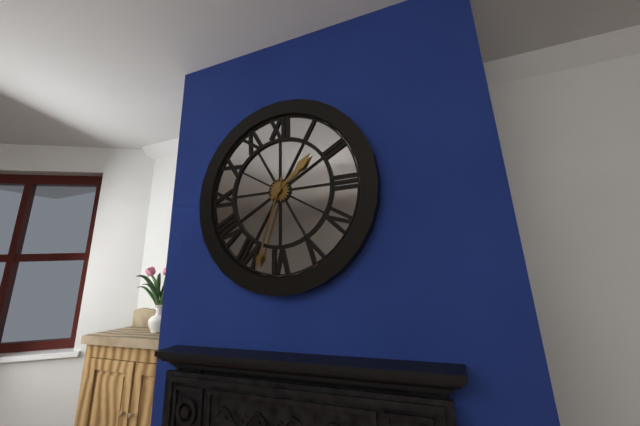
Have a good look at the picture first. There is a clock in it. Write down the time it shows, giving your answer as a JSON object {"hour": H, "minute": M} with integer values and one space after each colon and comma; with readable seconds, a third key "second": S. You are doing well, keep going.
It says {"hour": 1, "minute": 33}
